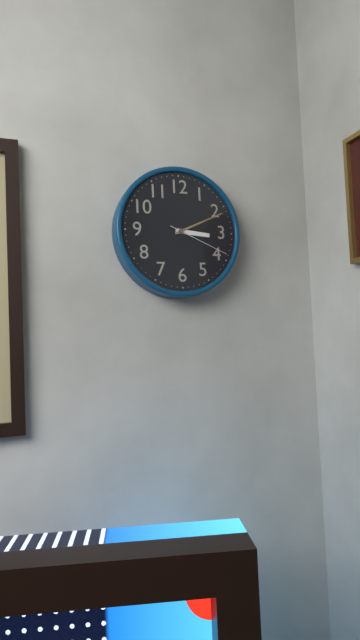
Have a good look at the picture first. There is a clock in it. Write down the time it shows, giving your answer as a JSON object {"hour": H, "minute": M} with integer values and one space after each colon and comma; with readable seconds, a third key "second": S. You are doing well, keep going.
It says {"hour": 3, "minute": 11, "second": 19}
